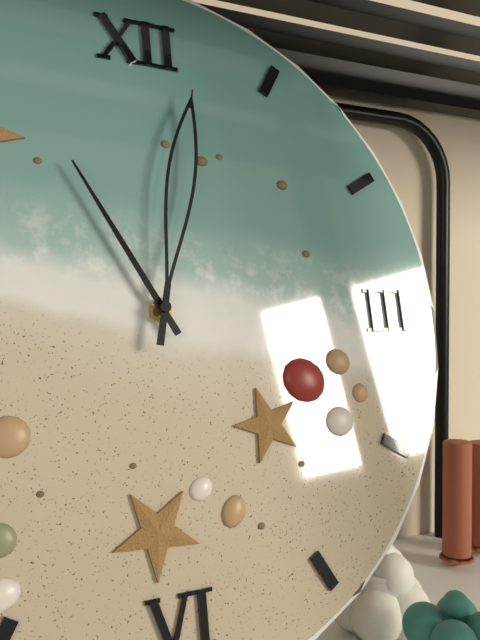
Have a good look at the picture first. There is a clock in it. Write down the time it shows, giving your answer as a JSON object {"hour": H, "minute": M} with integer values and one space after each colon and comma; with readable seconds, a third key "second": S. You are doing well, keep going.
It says {"hour": 11, "minute": 2}
